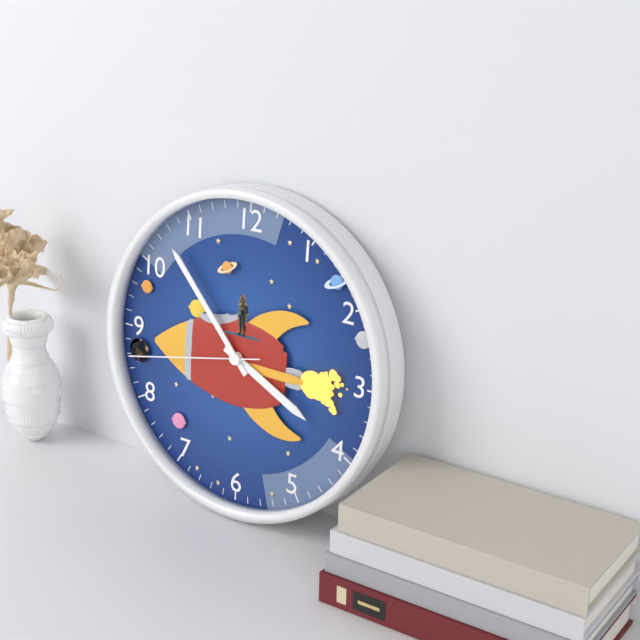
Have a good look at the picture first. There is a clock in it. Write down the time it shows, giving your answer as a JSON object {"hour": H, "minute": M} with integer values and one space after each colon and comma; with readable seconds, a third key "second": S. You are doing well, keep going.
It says {"hour": 3, "minute": 53, "second": 43}
